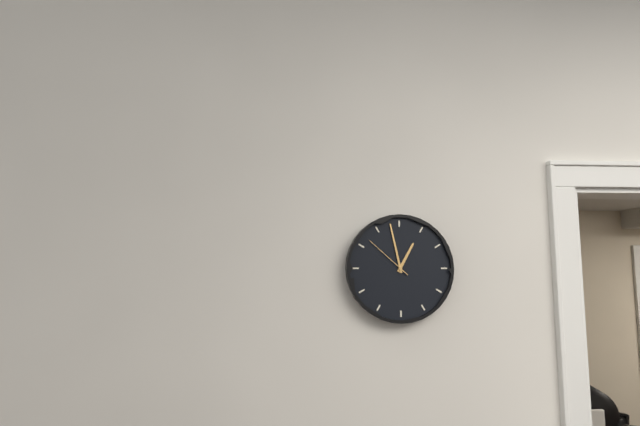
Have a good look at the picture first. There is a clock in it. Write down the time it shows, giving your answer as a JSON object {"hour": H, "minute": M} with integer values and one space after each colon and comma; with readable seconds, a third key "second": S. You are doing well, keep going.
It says {"hour": 12, "minute": 58, "second": 52}
